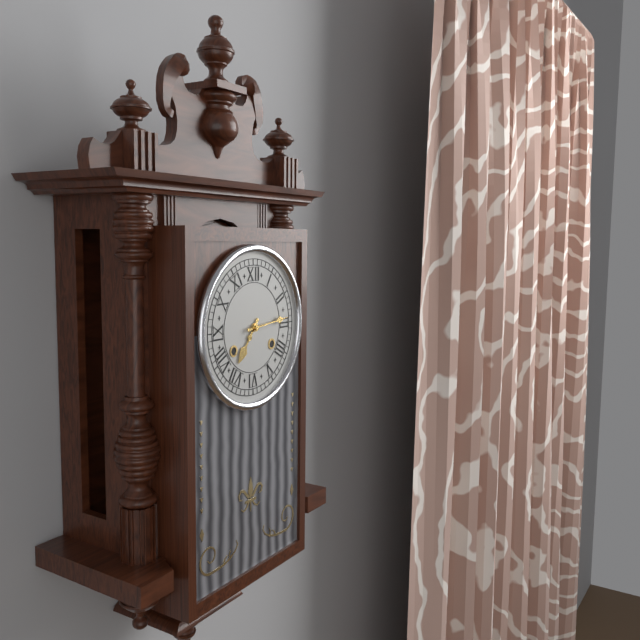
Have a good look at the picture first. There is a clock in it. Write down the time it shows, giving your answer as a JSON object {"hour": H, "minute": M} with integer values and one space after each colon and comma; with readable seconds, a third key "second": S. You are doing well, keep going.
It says {"hour": 7, "minute": 14}
